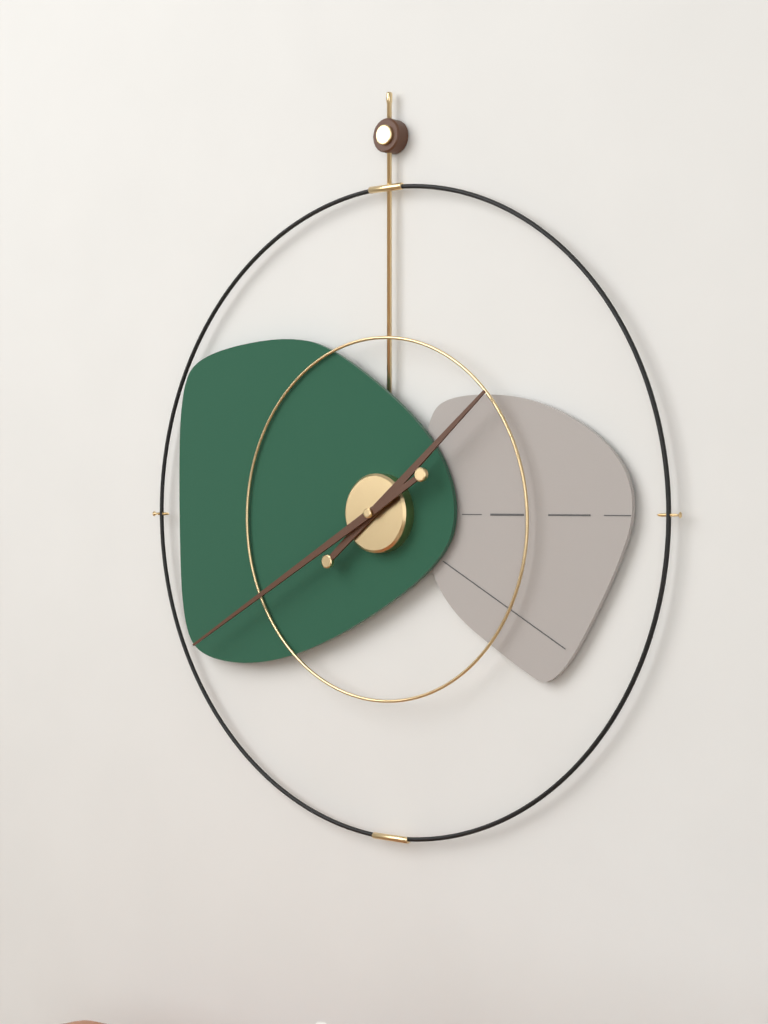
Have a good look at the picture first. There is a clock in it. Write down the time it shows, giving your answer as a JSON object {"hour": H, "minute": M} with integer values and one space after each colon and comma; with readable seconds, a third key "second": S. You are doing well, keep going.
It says {"hour": 1, "minute": 40}
